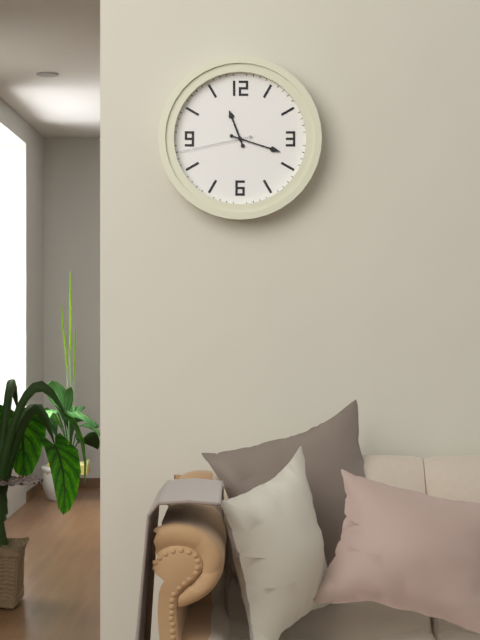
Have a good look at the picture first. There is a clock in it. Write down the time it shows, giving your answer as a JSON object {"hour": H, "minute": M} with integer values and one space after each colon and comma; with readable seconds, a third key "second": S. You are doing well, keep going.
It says {"hour": 11, "minute": 18, "second": 43}
